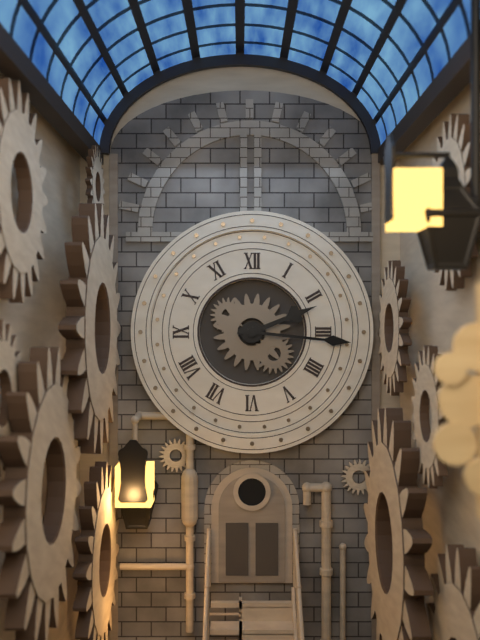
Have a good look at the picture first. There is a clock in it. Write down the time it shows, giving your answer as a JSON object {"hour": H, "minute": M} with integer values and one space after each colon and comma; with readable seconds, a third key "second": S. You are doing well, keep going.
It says {"hour": 2, "minute": 16}
